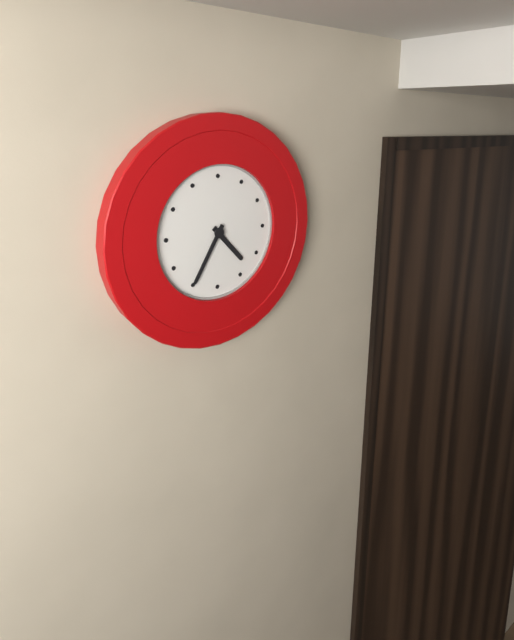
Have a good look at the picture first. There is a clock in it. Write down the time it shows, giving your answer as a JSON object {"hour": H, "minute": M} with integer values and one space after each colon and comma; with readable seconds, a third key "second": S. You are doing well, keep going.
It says {"hour": 4, "minute": 35}
